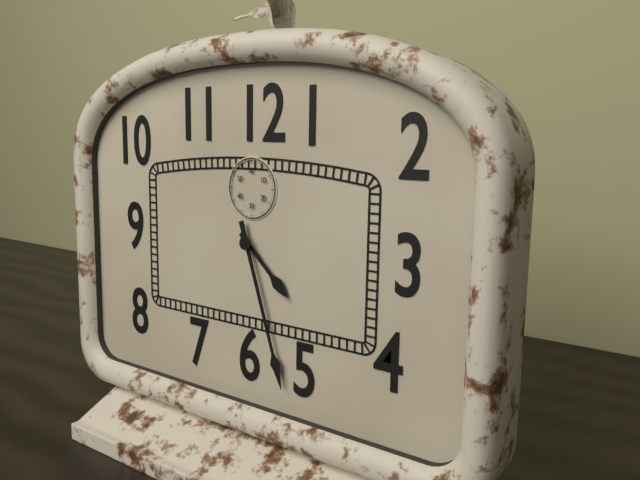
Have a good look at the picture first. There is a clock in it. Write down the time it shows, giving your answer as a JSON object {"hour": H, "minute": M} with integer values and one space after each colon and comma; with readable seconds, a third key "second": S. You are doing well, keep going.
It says {"hour": 4, "minute": 27}
